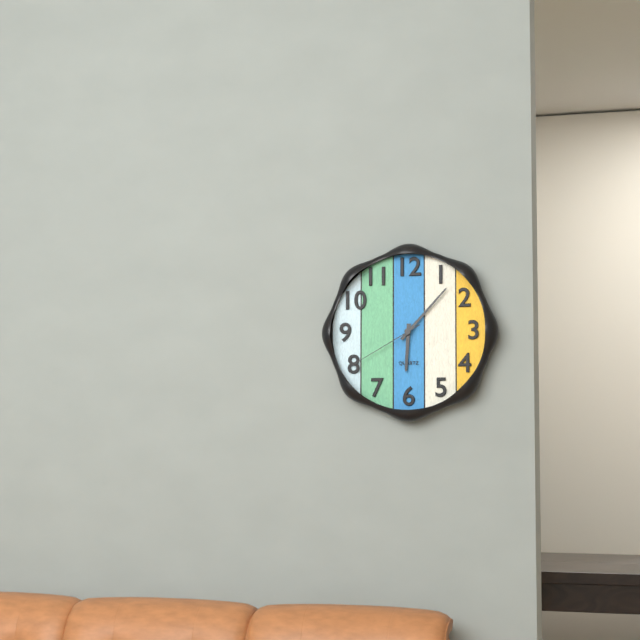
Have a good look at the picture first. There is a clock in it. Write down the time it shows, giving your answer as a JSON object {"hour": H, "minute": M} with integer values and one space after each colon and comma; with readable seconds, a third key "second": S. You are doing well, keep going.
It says {"hour": 6, "minute": 7, "second": 40}
